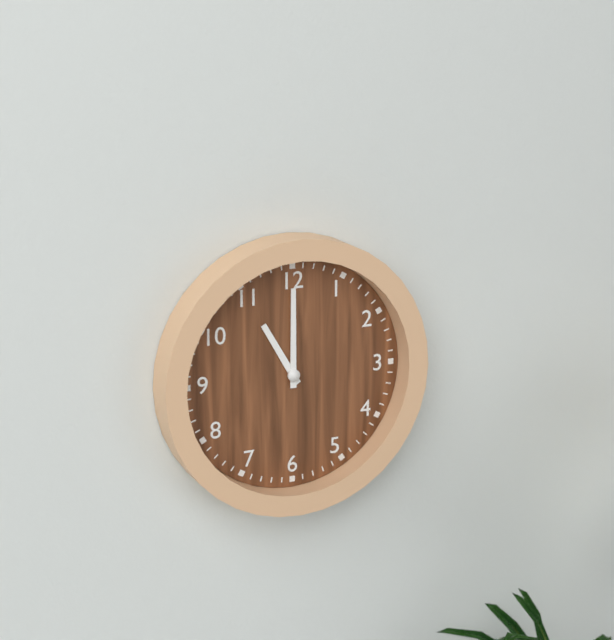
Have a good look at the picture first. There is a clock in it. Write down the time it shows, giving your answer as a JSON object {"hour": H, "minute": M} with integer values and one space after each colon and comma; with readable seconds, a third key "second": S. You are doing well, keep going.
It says {"hour": 11, "minute": 0}
